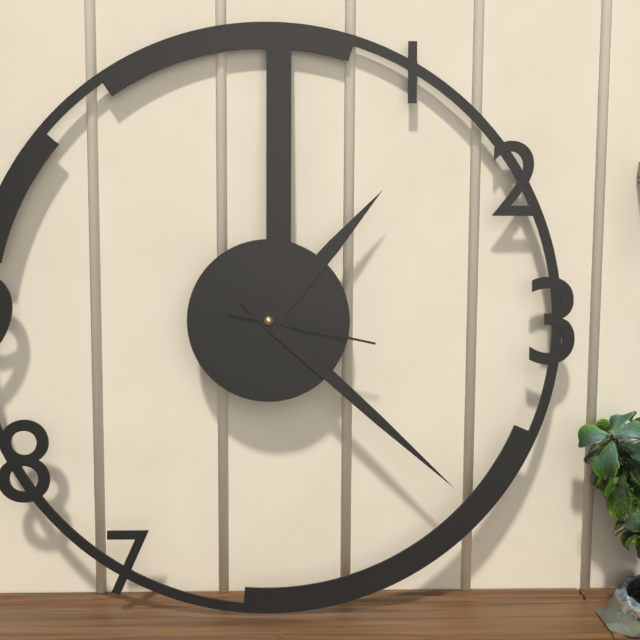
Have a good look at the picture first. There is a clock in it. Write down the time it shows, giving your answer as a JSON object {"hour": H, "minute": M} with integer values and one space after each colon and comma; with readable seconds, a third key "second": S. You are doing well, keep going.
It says {"hour": 1, "minute": 22, "second": 17}
